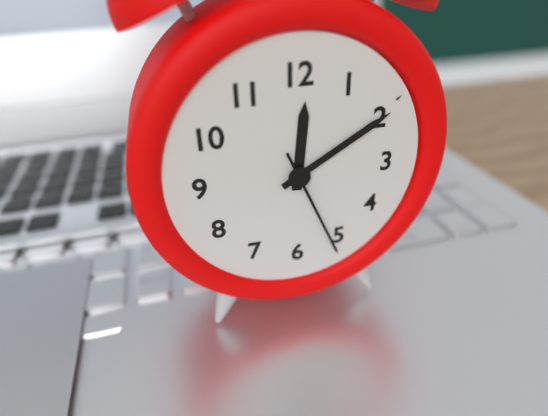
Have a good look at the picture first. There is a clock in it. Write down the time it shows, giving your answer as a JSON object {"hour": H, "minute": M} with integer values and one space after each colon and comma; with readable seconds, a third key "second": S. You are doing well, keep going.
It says {"hour": 12, "minute": 10, "second": 26}
